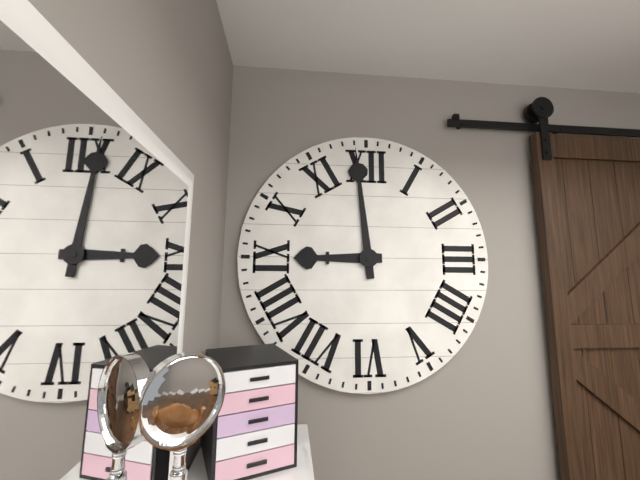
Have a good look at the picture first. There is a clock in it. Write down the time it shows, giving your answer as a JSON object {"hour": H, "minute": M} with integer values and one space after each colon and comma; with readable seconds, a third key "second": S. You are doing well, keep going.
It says {"hour": 8, "minute": 59}
